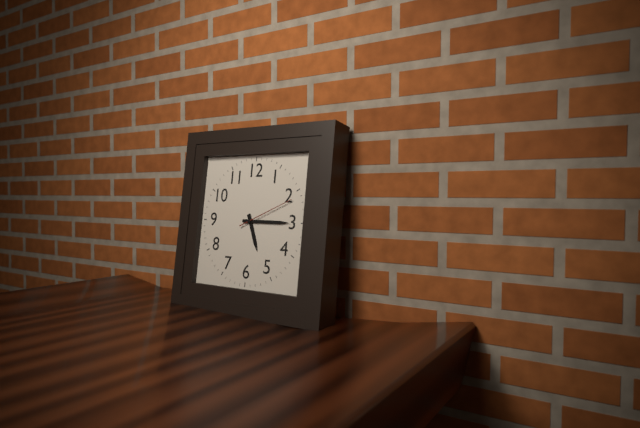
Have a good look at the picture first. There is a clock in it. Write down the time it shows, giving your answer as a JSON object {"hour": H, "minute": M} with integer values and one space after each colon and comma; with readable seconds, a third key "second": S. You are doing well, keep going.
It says {"hour": 5, "minute": 15, "second": 11}
